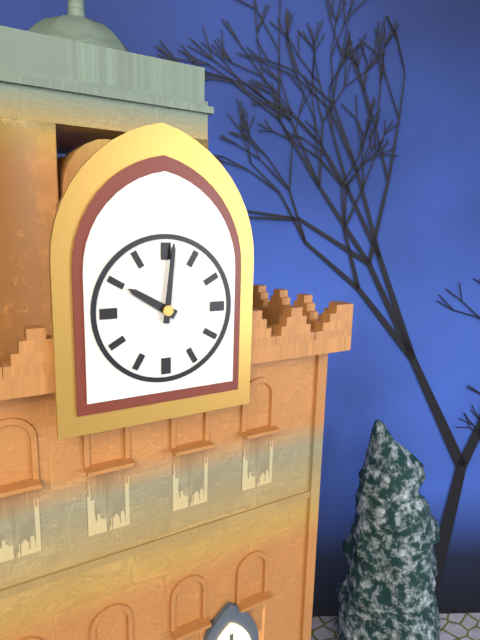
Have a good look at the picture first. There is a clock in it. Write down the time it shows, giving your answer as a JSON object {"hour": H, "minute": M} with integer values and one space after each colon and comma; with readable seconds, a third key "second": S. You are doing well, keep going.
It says {"hour": 10, "minute": 1}
